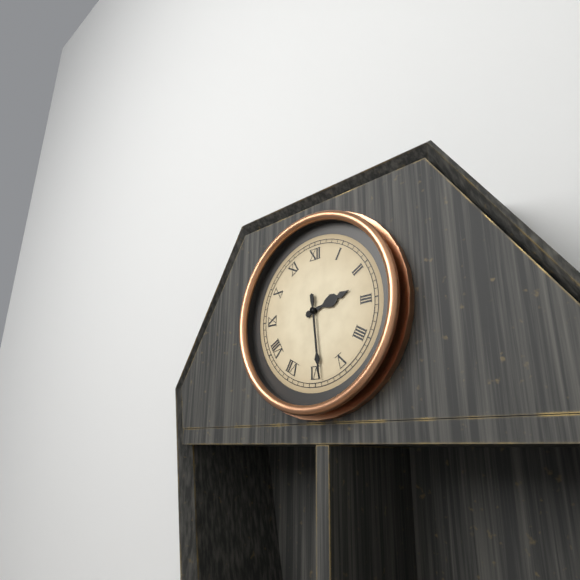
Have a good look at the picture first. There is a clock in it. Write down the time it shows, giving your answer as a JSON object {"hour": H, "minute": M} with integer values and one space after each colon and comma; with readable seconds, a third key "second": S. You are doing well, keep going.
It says {"hour": 2, "minute": 29}
